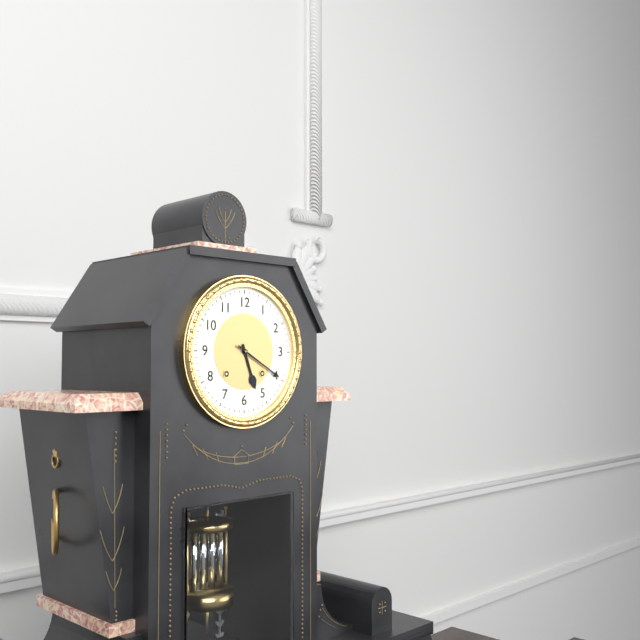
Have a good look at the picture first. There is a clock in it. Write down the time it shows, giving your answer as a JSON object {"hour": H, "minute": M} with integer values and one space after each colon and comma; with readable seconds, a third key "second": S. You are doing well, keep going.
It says {"hour": 5, "minute": 20}
